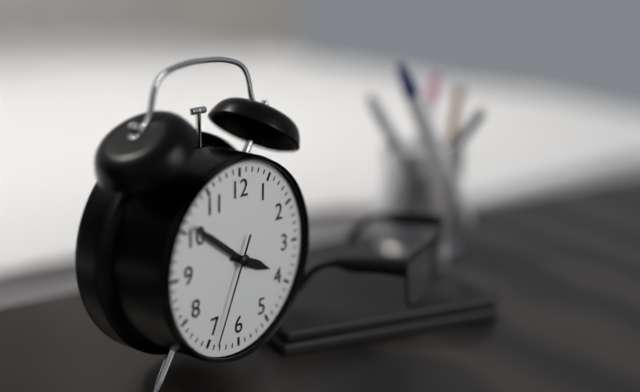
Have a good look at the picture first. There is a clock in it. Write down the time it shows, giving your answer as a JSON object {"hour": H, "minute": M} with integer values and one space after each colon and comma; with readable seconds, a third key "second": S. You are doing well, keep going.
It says {"hour": 3, "minute": 51, "second": 34}
